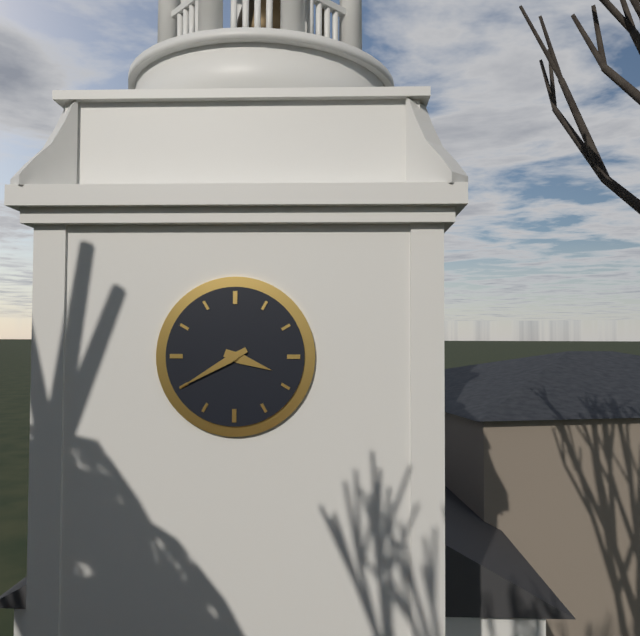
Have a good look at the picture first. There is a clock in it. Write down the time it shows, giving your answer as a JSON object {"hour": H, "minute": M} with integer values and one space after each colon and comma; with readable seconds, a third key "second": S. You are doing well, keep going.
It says {"hour": 3, "minute": 40}
